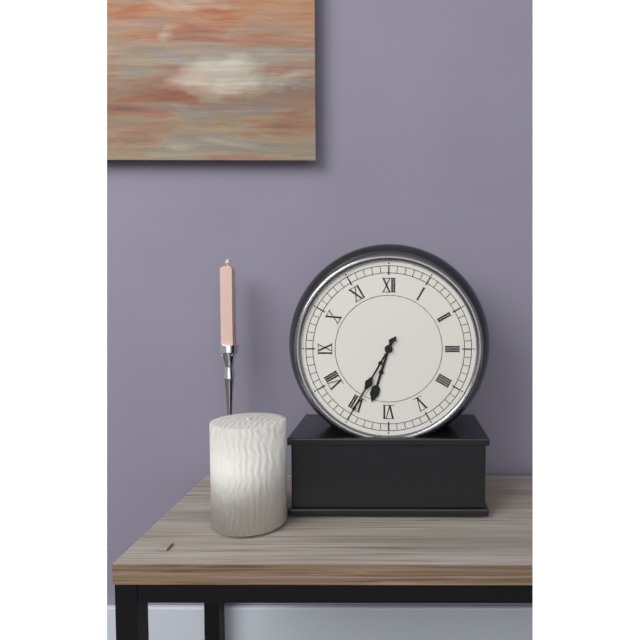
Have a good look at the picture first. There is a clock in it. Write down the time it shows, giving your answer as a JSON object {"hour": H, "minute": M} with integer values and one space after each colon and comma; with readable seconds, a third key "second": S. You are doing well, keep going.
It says {"hour": 6, "minute": 35}
